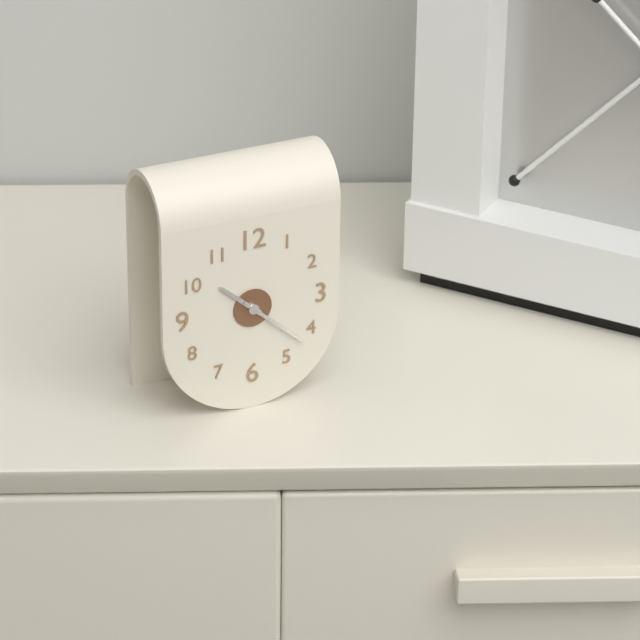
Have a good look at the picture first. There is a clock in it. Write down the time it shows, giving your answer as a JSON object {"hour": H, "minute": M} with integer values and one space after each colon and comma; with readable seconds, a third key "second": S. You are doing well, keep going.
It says {"hour": 10, "minute": 22}
